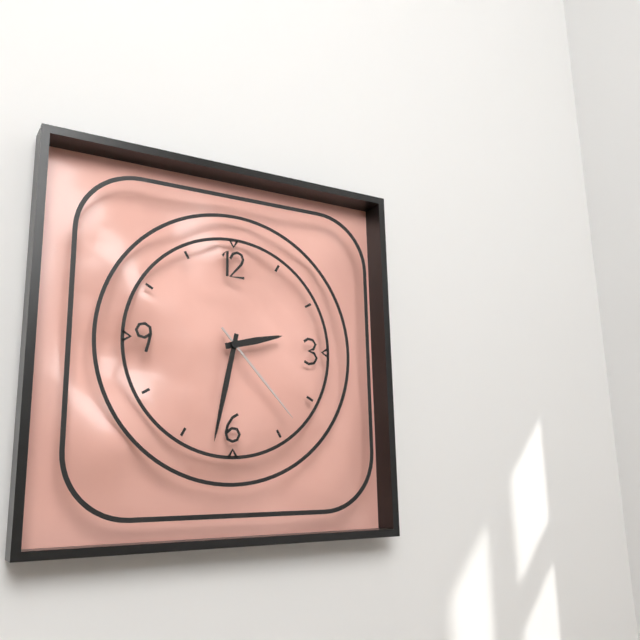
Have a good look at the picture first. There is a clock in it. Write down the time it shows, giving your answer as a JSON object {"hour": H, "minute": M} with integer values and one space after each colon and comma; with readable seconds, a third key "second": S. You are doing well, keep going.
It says {"hour": 2, "minute": 32, "second": 23}
